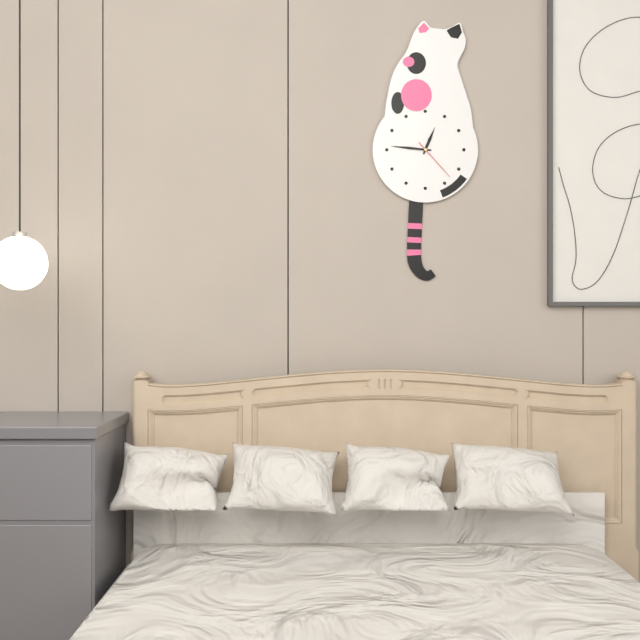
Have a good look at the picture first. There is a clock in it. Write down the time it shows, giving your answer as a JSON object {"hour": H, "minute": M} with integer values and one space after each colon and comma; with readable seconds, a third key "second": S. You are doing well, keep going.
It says {"hour": 12, "minute": 46}
